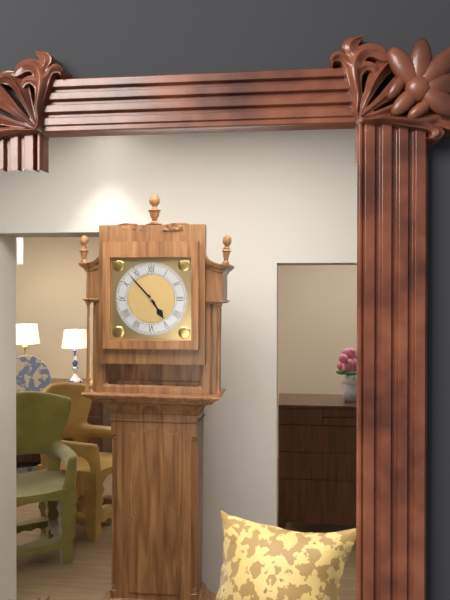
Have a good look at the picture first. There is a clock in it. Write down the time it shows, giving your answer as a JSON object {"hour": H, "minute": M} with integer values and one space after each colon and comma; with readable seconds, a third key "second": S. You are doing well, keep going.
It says {"hour": 4, "minute": 53}
